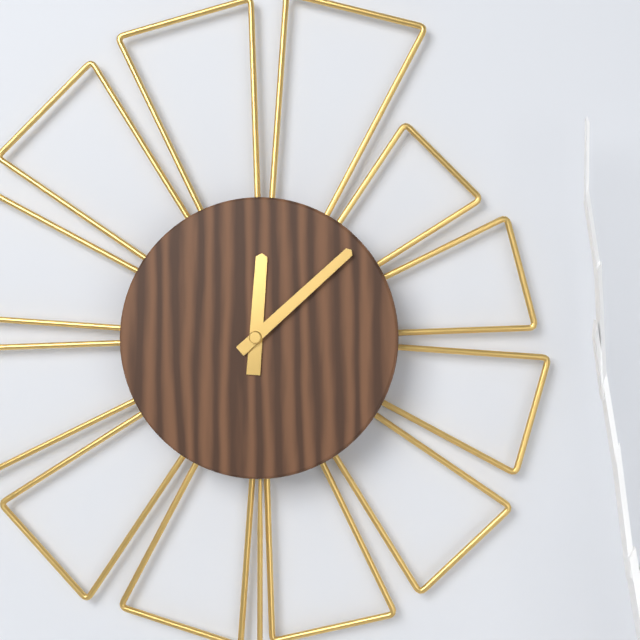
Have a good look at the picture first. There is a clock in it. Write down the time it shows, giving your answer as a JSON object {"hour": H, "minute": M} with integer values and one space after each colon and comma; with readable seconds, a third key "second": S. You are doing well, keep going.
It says {"hour": 12, "minute": 8}
